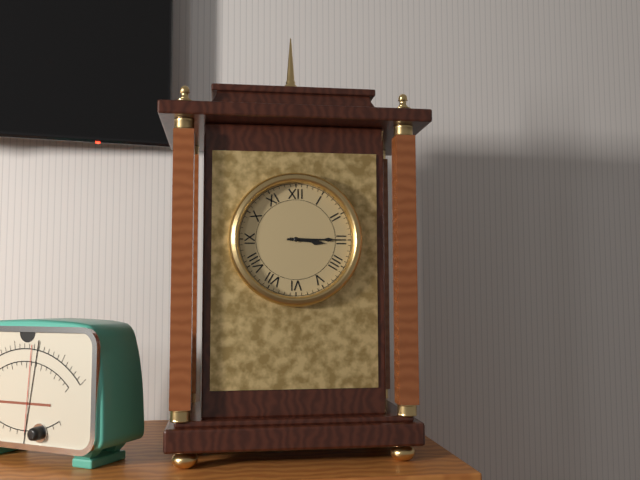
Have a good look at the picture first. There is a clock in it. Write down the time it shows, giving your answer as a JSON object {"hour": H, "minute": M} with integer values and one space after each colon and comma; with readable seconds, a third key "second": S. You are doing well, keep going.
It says {"hour": 3, "minute": 15}
